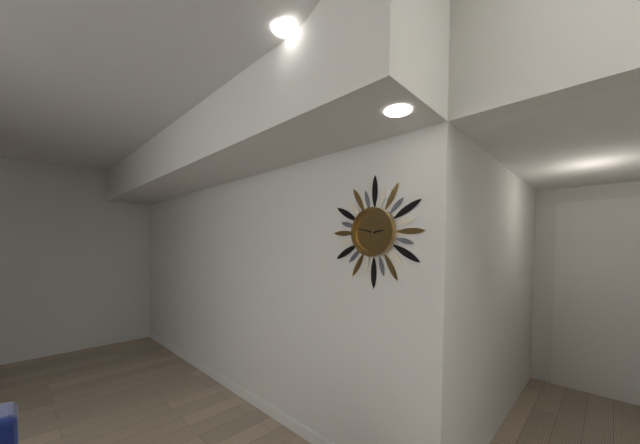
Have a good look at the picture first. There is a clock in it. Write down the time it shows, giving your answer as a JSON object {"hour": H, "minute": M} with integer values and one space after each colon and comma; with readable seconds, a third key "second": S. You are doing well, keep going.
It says {"hour": 2, "minute": 47}
